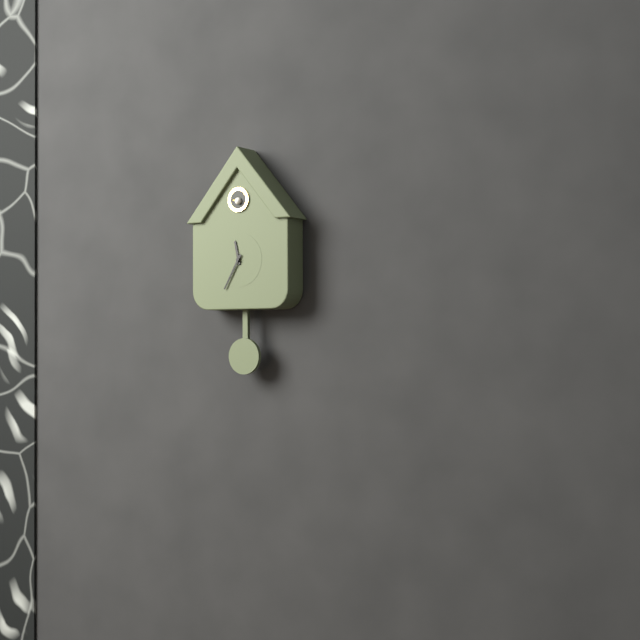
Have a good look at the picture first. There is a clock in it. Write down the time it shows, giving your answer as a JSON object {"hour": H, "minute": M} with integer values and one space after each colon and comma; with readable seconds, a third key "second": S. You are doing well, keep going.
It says {"hour": 11, "minute": 35}
